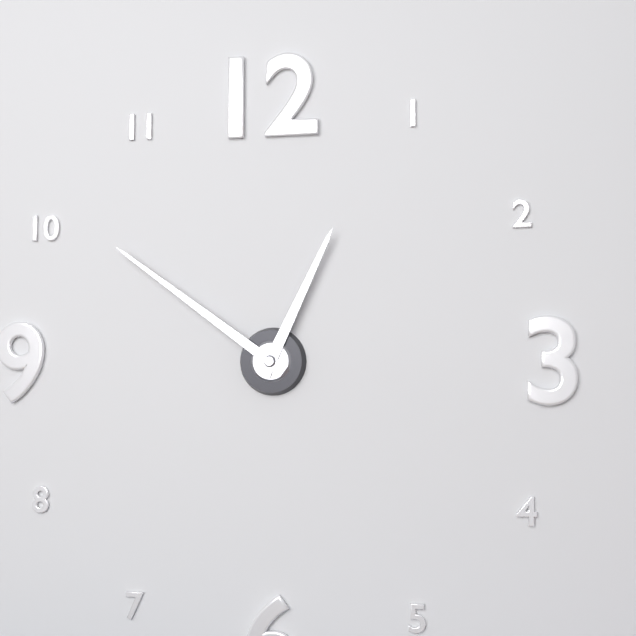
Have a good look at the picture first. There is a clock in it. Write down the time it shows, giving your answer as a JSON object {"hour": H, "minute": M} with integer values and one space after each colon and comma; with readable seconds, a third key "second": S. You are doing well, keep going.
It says {"hour": 12, "minute": 51}
